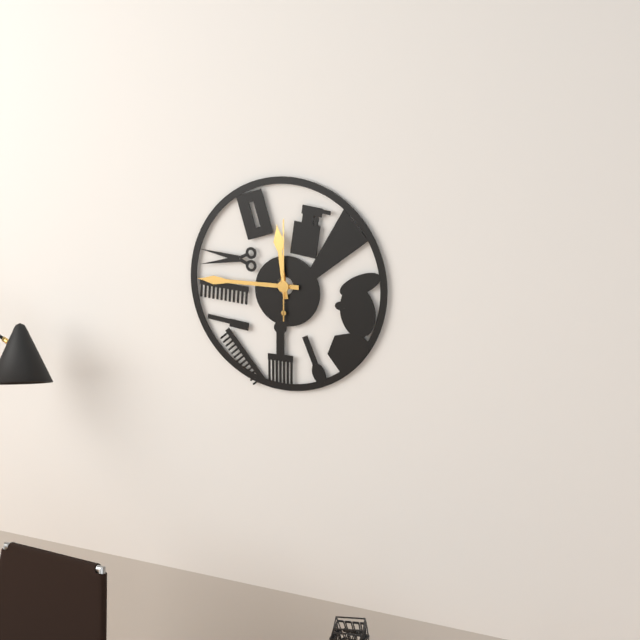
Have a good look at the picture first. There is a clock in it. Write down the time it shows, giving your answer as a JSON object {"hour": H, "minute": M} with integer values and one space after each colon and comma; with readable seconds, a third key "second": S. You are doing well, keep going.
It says {"hour": 11, "minute": 45, "second": 0}
